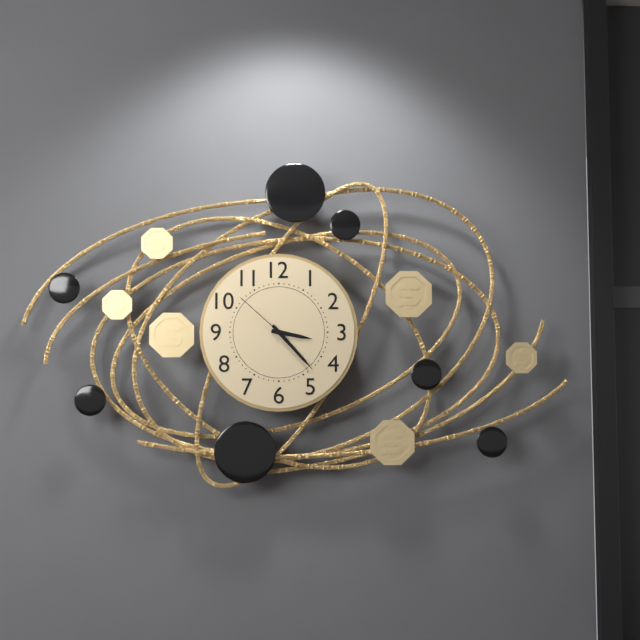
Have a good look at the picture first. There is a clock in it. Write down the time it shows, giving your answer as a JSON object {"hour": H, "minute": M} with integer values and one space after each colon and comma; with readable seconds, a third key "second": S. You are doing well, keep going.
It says {"hour": 3, "minute": 23, "second": 52}
